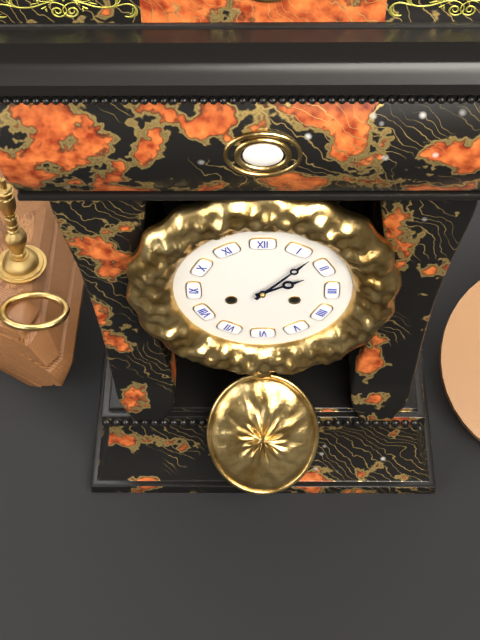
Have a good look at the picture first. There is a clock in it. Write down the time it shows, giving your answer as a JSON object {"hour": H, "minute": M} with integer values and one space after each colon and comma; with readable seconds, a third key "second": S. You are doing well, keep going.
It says {"hour": 2, "minute": 7}
